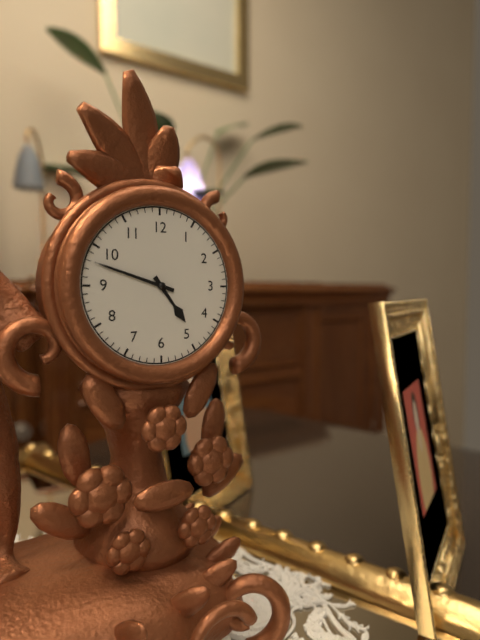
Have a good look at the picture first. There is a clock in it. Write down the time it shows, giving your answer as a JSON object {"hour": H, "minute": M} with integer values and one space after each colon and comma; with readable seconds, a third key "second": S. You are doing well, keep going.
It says {"hour": 4, "minute": 48}
